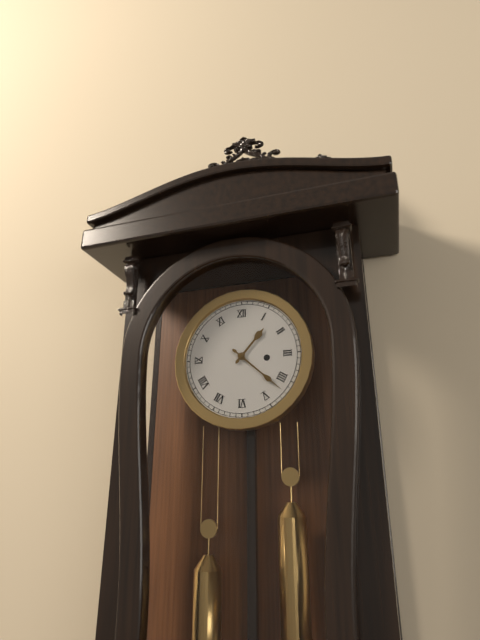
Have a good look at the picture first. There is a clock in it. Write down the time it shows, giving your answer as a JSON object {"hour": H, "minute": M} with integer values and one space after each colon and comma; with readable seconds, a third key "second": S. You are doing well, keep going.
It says {"hour": 1, "minute": 22}
